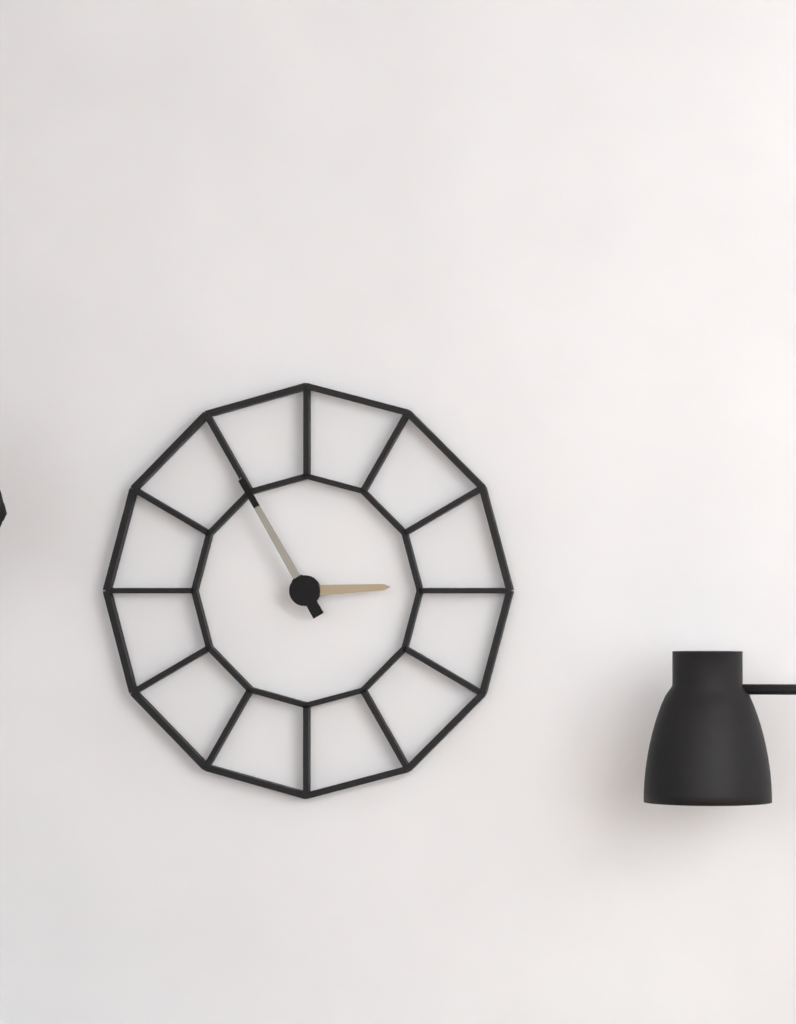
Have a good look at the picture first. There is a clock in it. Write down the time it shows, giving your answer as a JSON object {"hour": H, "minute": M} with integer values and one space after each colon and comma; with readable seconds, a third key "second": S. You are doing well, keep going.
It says {"hour": 2, "minute": 55}
